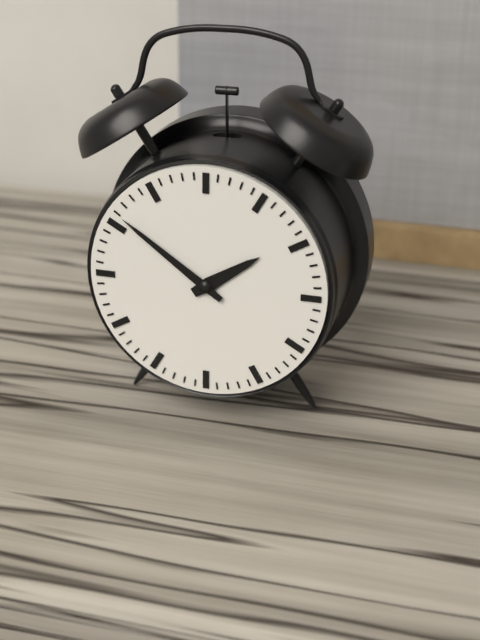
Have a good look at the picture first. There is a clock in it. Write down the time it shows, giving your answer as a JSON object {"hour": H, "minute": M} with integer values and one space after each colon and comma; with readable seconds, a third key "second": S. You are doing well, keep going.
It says {"hour": 1, "minute": 51}
